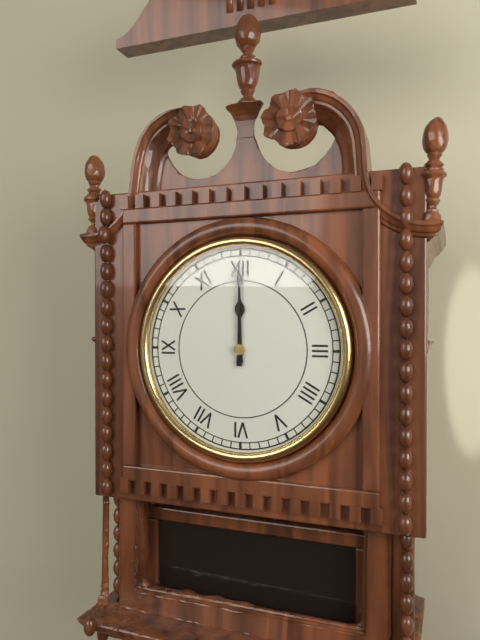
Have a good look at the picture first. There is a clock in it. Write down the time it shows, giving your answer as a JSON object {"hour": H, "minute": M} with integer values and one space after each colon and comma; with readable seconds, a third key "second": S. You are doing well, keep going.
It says {"hour": 12, "minute": 0}
